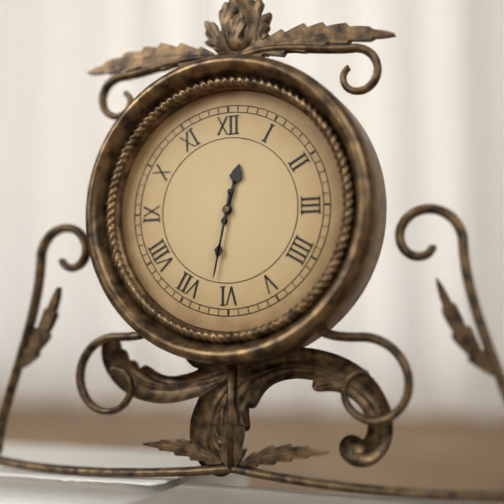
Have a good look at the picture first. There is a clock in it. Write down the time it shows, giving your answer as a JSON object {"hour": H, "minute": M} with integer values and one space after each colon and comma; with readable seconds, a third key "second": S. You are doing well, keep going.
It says {"hour": 12, "minute": 32}
